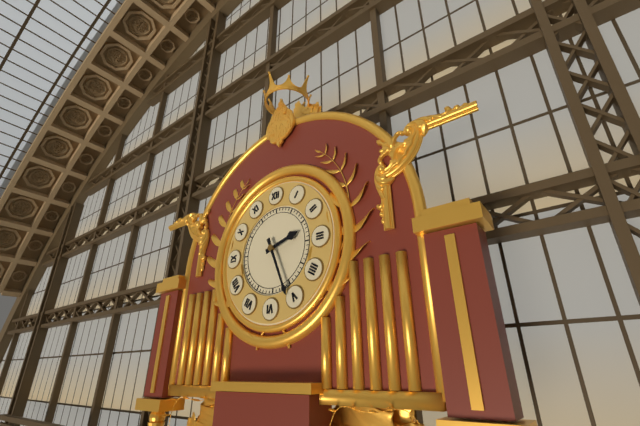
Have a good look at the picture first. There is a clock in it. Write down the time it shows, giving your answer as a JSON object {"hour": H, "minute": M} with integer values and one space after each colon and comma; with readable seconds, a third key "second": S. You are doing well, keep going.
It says {"hour": 2, "minute": 26}
